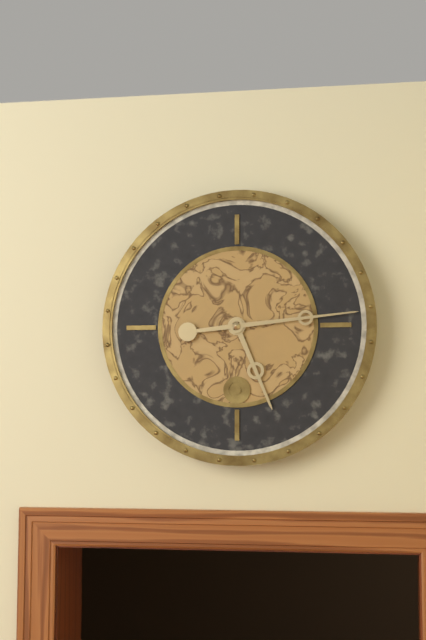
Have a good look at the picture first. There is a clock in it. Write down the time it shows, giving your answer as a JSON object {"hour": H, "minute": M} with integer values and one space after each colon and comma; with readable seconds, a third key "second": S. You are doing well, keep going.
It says {"hour": 5, "minute": 14}
